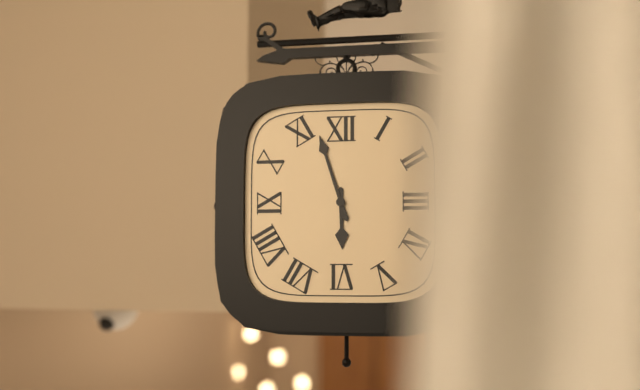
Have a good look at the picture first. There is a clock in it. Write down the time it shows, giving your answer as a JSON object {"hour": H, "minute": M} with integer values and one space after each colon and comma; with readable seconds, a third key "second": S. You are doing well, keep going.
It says {"hour": 5, "minute": 57}
